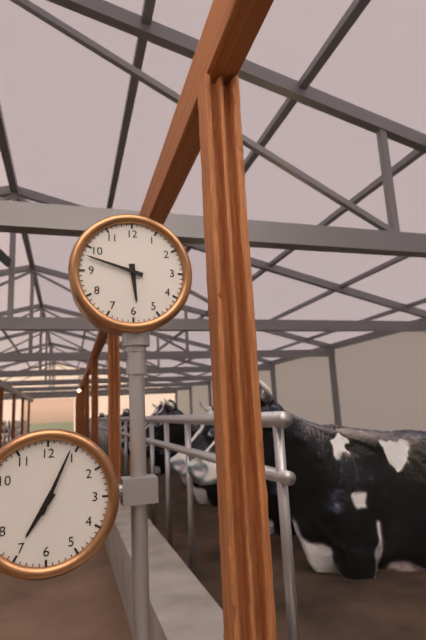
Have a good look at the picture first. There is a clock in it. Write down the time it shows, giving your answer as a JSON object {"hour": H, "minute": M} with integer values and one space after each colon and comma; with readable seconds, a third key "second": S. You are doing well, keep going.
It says {"hour": 5, "minute": 48}
